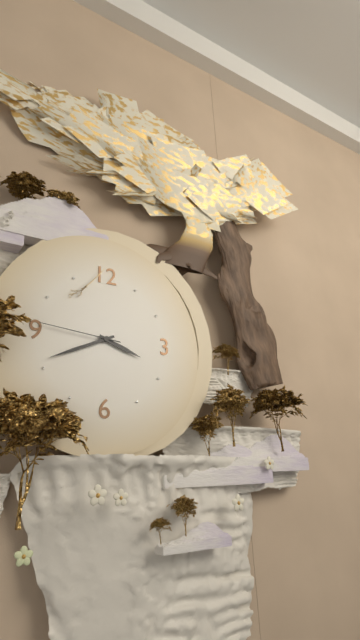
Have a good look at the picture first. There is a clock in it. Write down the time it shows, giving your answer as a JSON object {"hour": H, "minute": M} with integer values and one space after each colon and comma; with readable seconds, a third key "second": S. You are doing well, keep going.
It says {"hour": 3, "minute": 41, "second": 46}
